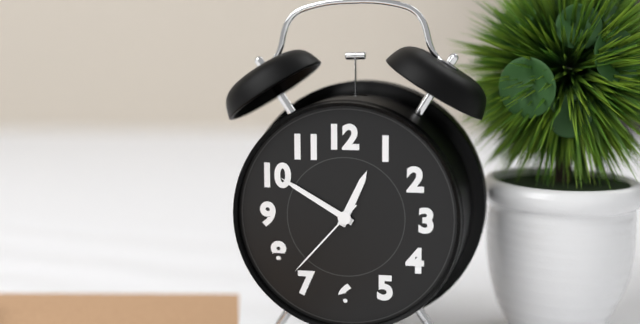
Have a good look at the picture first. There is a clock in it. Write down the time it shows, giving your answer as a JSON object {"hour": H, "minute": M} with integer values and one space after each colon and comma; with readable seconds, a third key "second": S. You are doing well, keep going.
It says {"hour": 12, "minute": 50, "second": 37}
